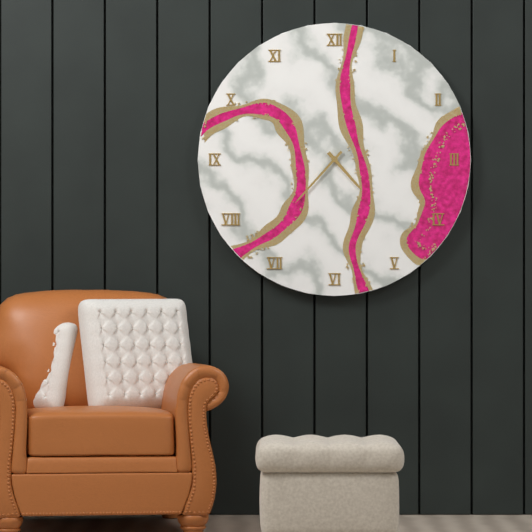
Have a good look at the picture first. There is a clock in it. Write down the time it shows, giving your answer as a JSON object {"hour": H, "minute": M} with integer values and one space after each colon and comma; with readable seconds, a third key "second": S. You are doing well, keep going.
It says {"hour": 4, "minute": 37}
